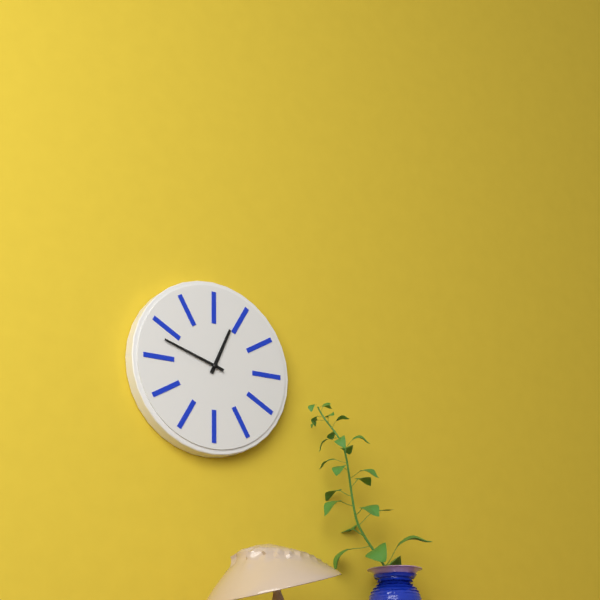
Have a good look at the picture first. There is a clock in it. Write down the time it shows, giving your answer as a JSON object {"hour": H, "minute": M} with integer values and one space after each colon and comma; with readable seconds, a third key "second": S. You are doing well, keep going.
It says {"hour": 12, "minute": 48}
